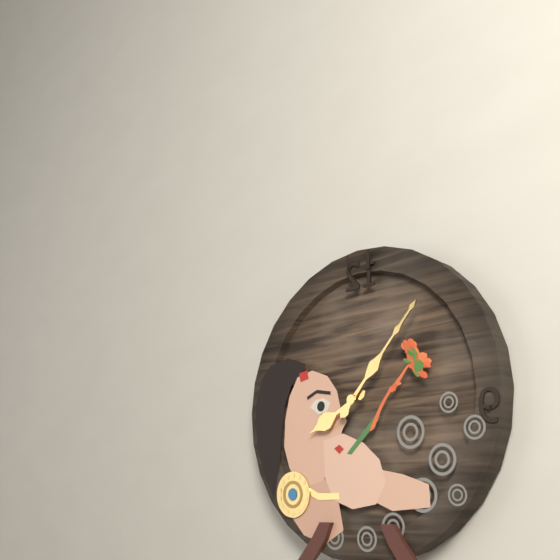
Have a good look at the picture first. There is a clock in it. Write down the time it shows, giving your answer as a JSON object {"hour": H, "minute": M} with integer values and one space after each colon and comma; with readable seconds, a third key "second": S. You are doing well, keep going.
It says {"hour": 8, "minute": 7}
